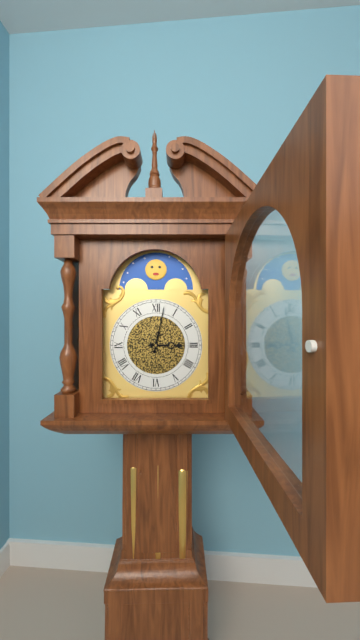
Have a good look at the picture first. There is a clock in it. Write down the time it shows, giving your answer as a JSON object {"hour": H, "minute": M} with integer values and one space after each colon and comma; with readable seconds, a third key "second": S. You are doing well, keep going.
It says {"hour": 3, "minute": 2}
